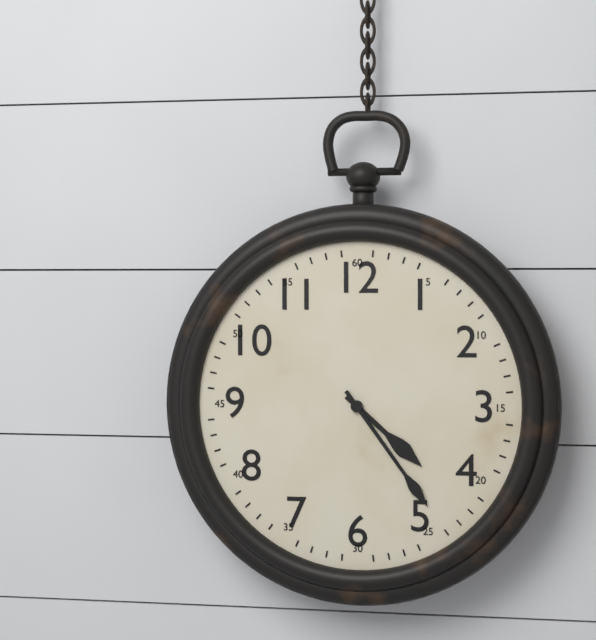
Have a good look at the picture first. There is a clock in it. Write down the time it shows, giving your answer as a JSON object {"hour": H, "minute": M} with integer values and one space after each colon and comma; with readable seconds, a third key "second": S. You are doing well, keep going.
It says {"hour": 4, "minute": 24}
